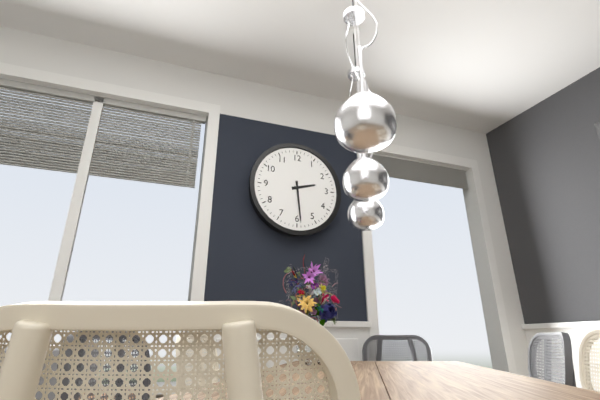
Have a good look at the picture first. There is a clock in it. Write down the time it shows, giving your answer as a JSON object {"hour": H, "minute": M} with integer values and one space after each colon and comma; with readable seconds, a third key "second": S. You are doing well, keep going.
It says {"hour": 2, "minute": 29}
